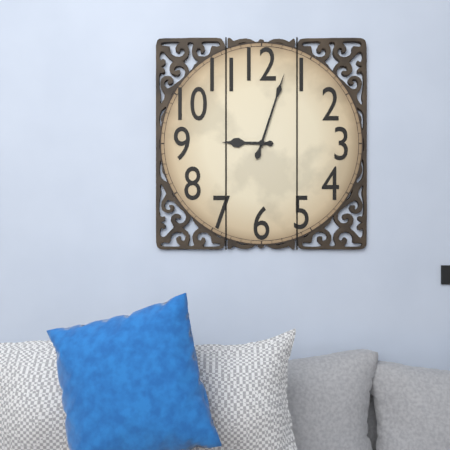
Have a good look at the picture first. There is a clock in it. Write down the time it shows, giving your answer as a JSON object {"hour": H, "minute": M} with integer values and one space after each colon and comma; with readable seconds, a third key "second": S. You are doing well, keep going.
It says {"hour": 9, "minute": 3}
